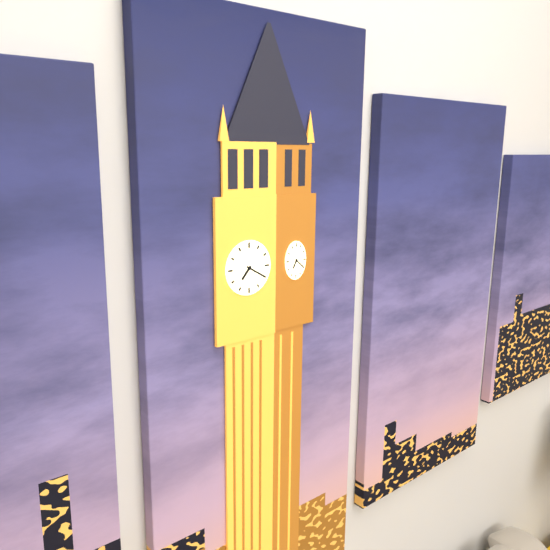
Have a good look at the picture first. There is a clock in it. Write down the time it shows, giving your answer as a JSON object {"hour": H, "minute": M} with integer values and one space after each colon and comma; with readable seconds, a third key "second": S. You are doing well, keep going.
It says {"hour": 7, "minute": 20}
